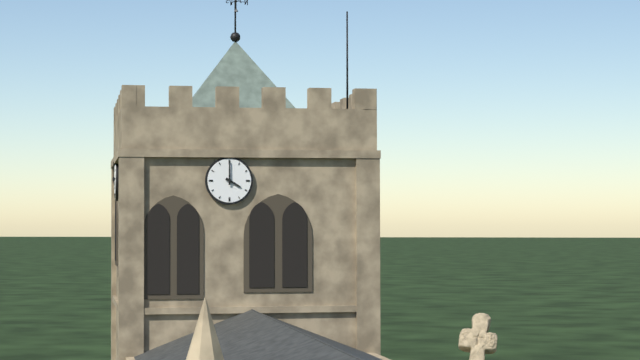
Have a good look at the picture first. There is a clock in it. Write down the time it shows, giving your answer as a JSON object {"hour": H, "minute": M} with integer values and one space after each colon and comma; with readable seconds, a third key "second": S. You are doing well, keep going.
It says {"hour": 4, "minute": 0}
